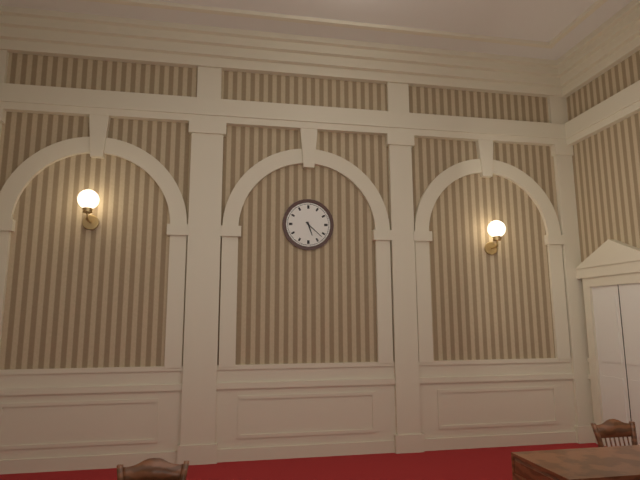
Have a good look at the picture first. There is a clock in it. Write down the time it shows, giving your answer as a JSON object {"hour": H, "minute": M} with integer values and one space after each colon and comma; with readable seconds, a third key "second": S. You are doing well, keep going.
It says {"hour": 5, "minute": 22}
